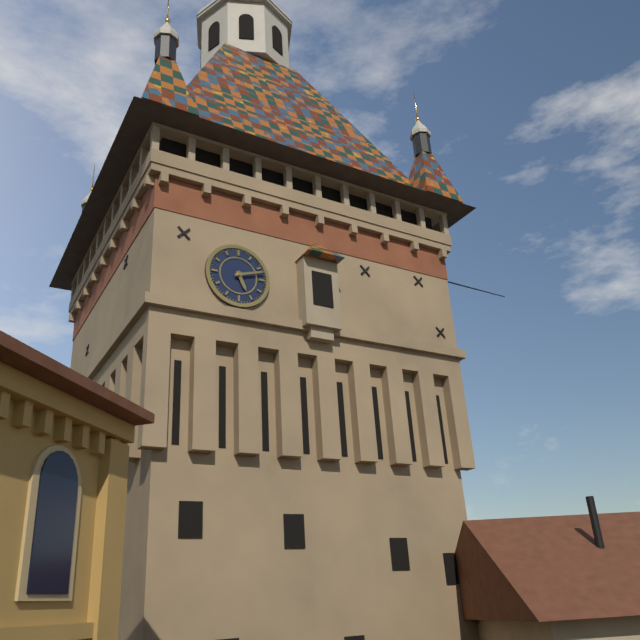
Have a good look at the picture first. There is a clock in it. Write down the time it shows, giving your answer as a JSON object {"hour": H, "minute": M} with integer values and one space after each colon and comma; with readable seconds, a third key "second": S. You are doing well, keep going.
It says {"hour": 5, "minute": 12}
